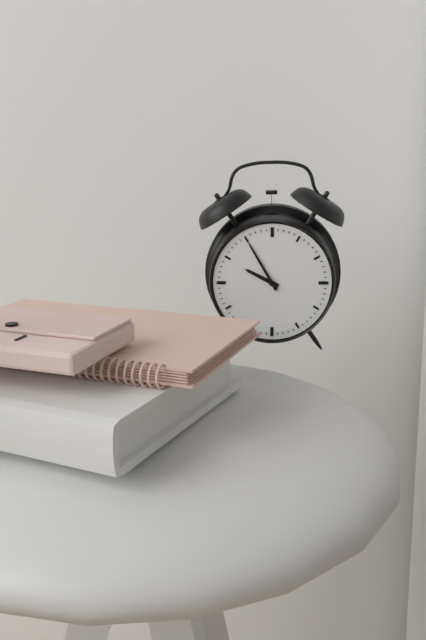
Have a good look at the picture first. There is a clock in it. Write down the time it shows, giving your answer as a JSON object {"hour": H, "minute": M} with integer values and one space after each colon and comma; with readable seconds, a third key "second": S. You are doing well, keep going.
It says {"hour": 9, "minute": 55}
